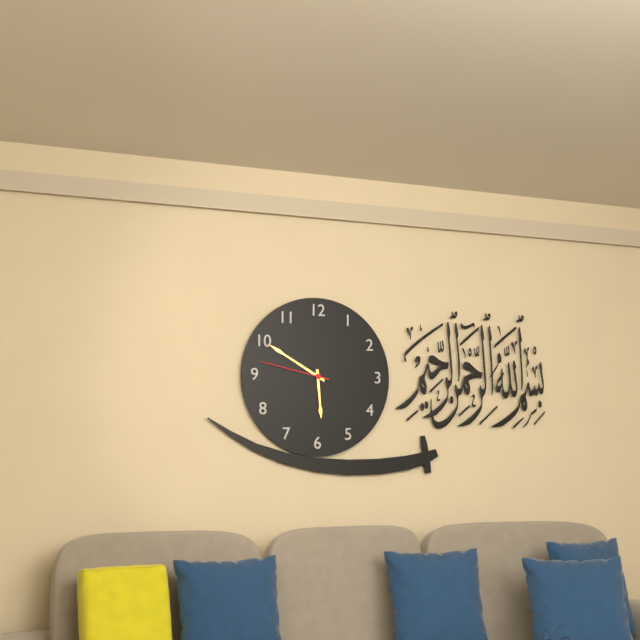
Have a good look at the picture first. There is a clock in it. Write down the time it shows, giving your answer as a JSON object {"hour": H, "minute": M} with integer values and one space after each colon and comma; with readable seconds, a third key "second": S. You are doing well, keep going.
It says {"hour": 5, "minute": 50, "second": 47}
